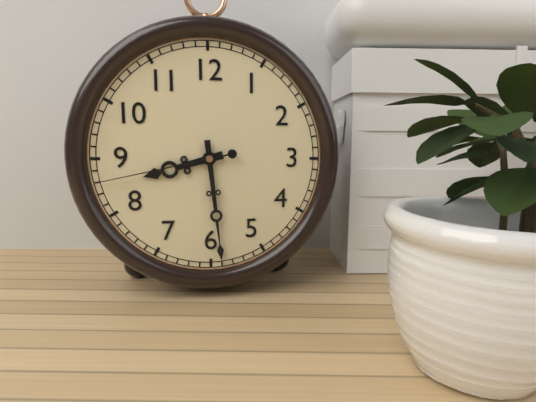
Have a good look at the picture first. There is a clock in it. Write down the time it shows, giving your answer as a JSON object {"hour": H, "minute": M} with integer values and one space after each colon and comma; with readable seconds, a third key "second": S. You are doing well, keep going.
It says {"hour": 8, "minute": 29, "second": 43}
